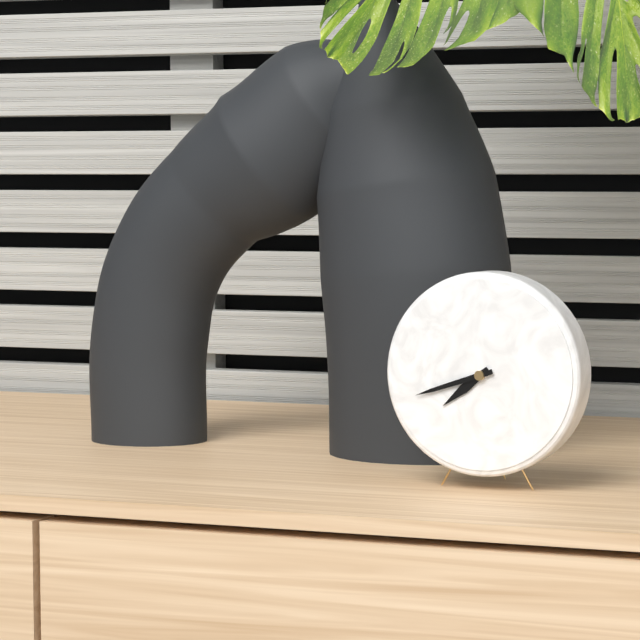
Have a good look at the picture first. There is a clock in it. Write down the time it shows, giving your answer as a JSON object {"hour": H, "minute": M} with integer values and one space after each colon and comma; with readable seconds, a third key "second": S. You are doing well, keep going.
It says {"hour": 7, "minute": 42}
